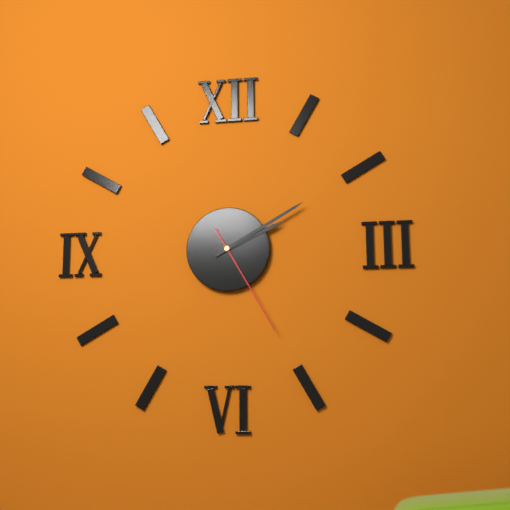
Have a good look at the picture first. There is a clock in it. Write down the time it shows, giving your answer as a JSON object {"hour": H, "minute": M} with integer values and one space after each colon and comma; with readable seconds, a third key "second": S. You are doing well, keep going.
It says {"hour": 2, "minute": 10, "second": 25}
